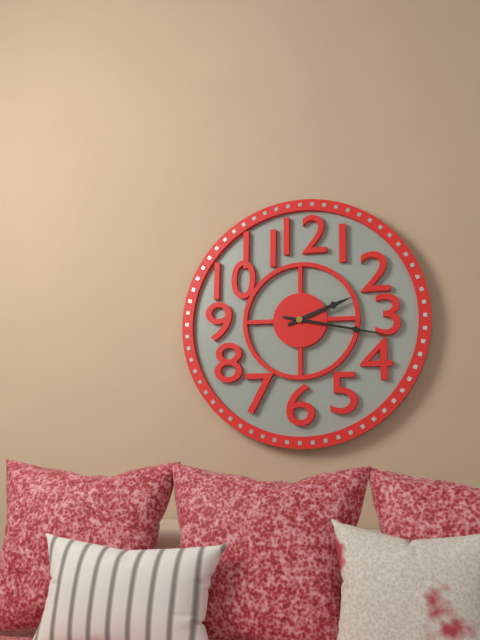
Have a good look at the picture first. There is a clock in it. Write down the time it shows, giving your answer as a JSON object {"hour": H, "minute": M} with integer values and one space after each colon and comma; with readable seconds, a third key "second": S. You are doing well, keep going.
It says {"hour": 2, "minute": 17}
